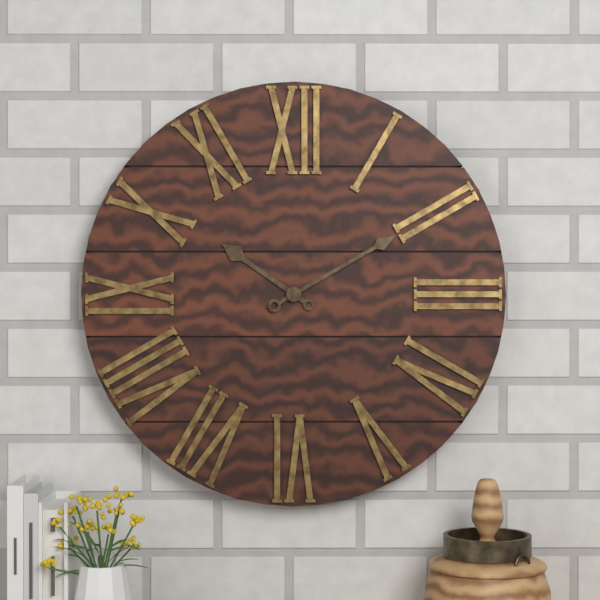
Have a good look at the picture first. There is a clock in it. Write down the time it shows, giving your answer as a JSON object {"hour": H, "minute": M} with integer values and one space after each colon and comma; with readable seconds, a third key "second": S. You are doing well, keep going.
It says {"hour": 10, "minute": 10}
